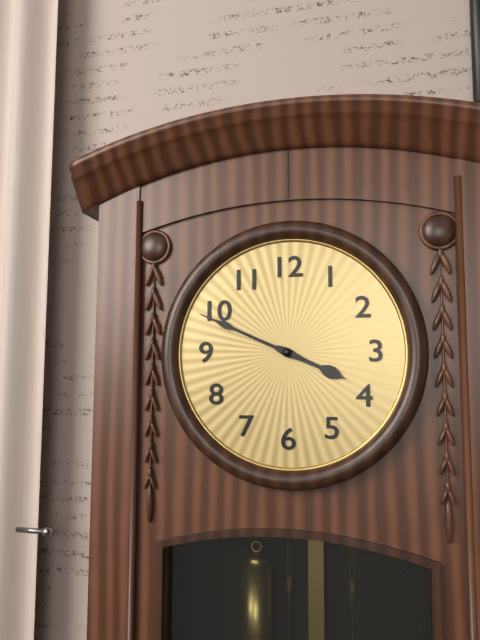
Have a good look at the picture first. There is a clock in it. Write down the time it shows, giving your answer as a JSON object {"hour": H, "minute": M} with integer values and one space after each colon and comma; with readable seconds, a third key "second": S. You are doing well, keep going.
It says {"hour": 3, "minute": 49}
